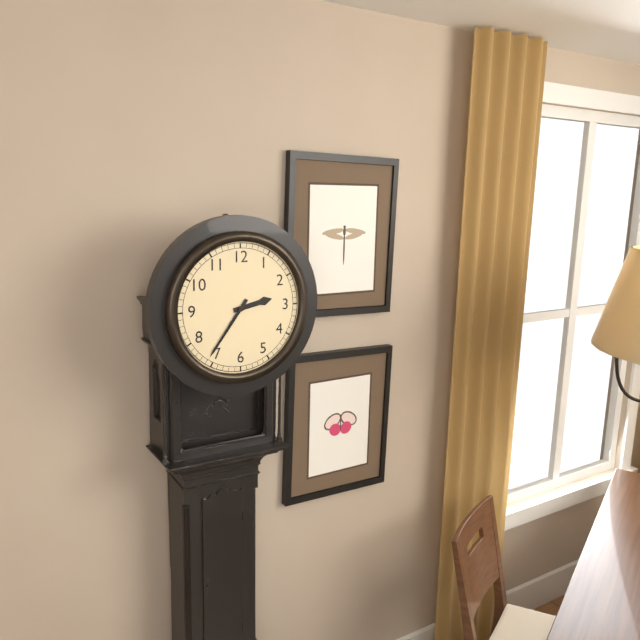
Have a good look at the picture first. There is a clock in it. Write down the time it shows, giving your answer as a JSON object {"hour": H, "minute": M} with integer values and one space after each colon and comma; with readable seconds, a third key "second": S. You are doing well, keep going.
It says {"hour": 2, "minute": 36}
